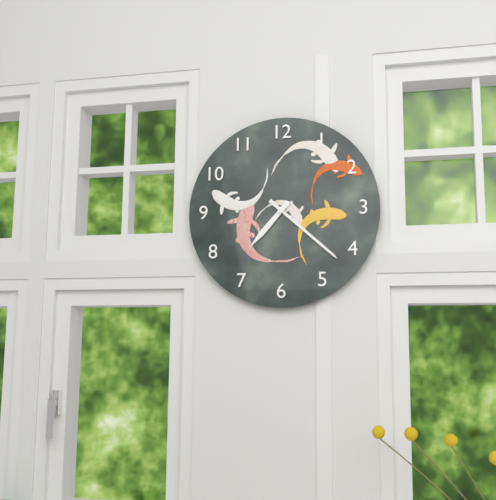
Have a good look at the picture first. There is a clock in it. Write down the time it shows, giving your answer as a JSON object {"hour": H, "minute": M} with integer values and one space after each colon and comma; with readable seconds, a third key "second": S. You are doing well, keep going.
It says {"hour": 7, "minute": 22}
